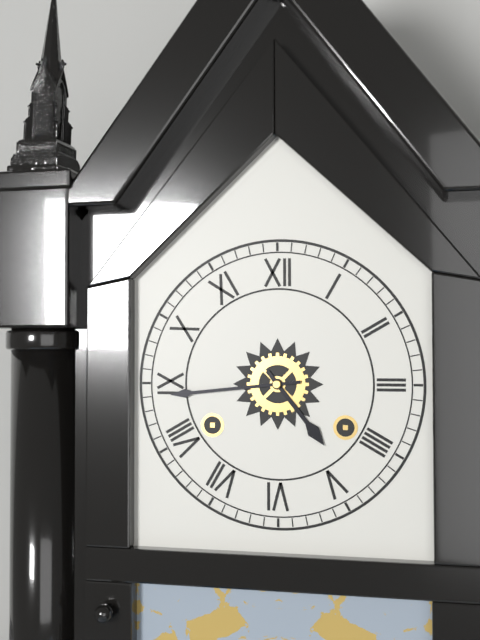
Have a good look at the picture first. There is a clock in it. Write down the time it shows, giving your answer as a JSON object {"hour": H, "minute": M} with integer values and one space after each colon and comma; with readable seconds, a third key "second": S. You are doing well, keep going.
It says {"hour": 4, "minute": 44}
